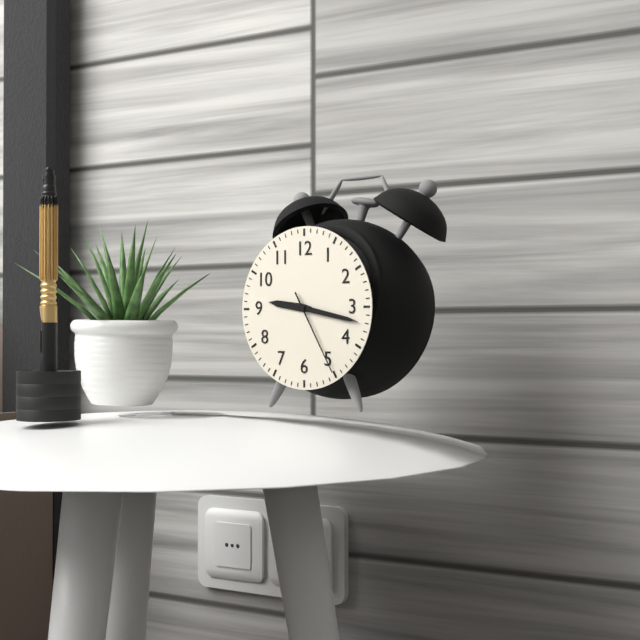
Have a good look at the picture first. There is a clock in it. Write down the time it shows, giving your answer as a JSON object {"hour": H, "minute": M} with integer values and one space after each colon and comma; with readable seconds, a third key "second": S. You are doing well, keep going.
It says {"hour": 9, "minute": 17, "second": 25}
